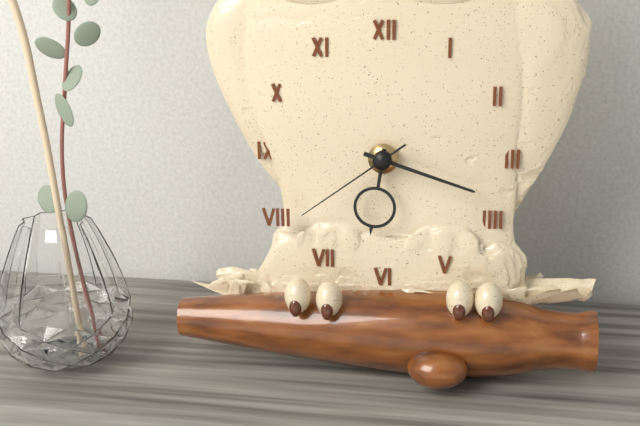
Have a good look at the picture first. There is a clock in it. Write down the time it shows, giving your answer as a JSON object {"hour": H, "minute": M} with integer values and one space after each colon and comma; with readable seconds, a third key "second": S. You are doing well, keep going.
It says {"hour": 6, "minute": 18, "second": 39}
